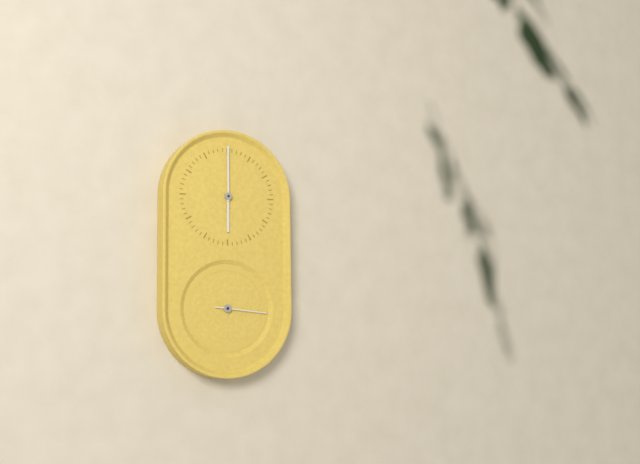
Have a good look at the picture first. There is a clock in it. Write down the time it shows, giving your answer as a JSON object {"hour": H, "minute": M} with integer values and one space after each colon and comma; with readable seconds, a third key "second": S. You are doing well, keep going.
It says {"hour": 6, "minute": 0}
